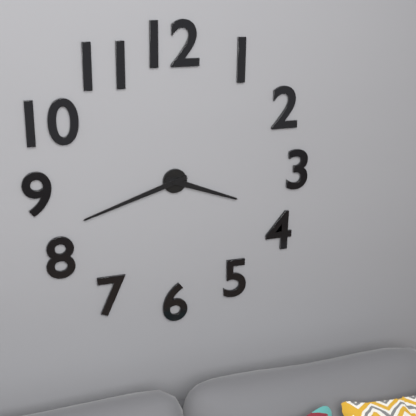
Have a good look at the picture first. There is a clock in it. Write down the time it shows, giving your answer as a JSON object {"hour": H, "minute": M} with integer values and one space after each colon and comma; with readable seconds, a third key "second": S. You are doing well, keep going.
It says {"hour": 3, "minute": 42}
